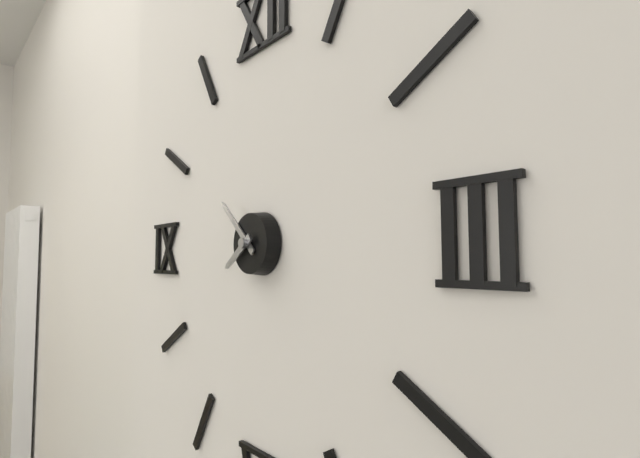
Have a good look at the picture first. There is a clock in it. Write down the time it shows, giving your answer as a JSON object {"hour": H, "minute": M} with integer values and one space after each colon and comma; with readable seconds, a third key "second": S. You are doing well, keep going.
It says {"hour": 7, "minute": 52}
